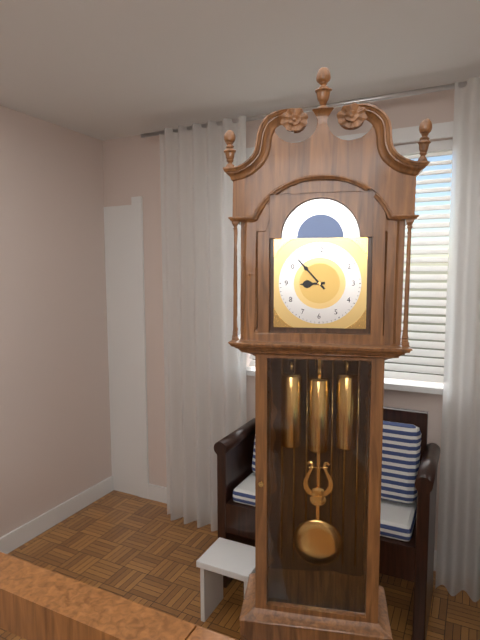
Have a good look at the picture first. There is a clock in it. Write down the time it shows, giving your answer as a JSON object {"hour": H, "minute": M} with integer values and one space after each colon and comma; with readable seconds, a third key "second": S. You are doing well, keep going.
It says {"hour": 8, "minute": 53}
